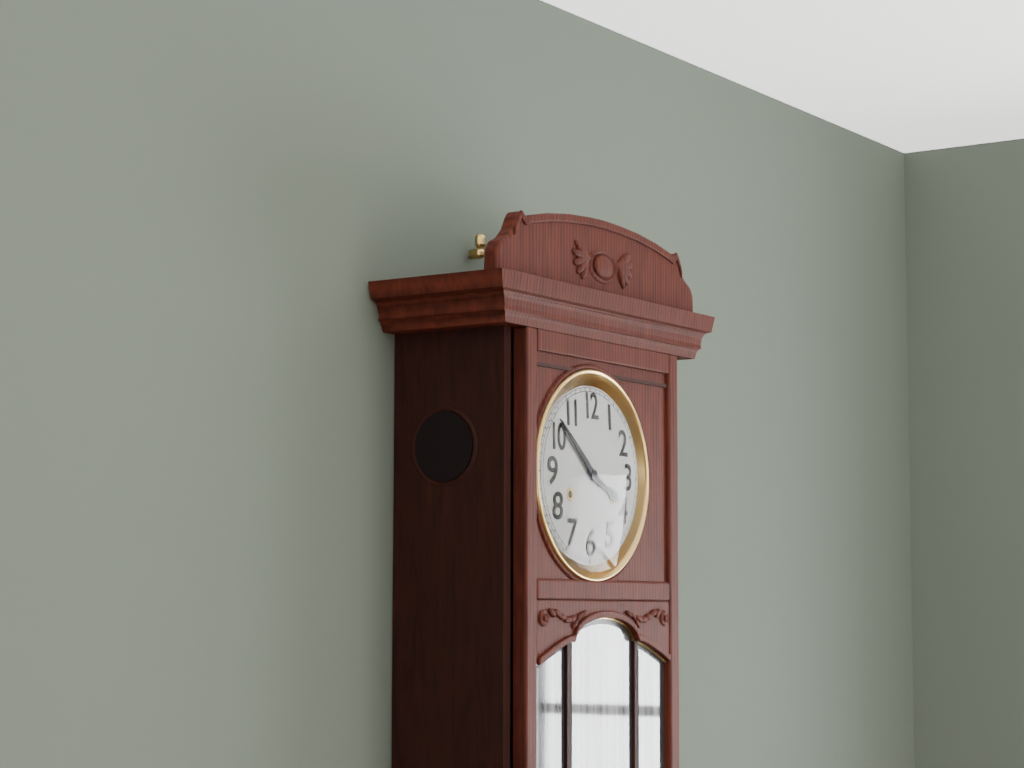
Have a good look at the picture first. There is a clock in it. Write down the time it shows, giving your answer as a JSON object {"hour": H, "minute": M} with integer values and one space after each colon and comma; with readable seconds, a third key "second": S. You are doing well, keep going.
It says {"hour": 3, "minute": 52}
